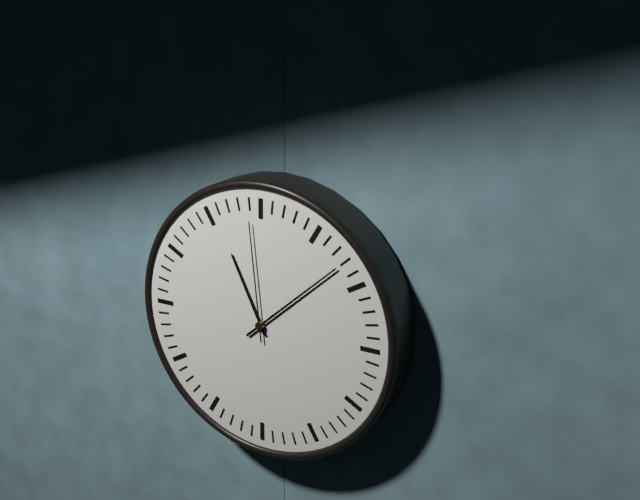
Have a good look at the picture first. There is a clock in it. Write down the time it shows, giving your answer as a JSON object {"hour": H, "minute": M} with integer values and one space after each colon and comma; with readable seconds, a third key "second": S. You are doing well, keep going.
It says {"hour": 11, "minute": 8, "second": 59}
